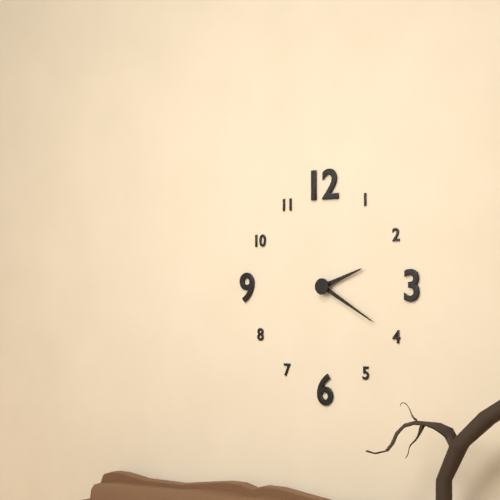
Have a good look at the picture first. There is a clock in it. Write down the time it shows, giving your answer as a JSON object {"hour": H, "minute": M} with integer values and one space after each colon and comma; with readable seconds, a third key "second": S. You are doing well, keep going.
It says {"hour": 2, "minute": 20}
